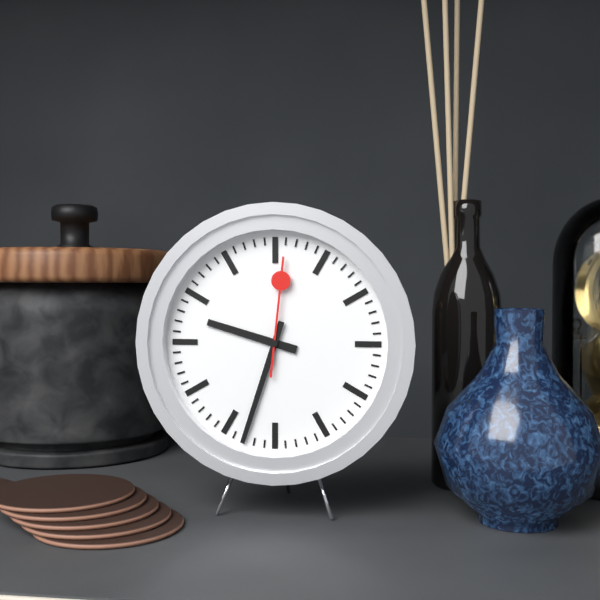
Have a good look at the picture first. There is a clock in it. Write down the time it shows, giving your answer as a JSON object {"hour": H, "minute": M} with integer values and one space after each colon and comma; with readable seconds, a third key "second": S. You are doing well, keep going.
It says {"hour": 9, "minute": 33, "second": 1}
